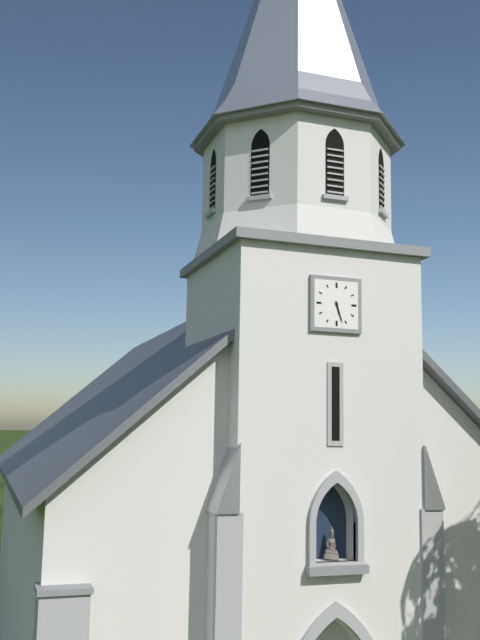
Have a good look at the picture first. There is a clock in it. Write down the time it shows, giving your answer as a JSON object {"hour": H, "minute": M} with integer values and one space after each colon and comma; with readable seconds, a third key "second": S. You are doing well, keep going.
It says {"hour": 5, "minute": 27}
